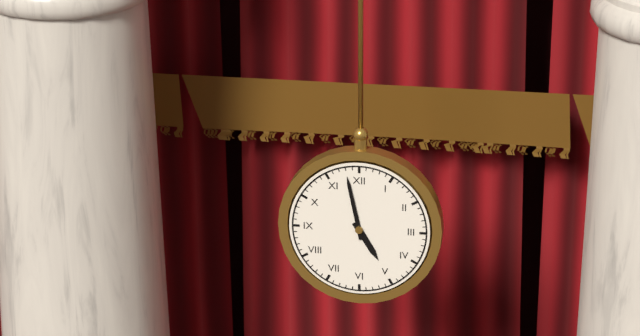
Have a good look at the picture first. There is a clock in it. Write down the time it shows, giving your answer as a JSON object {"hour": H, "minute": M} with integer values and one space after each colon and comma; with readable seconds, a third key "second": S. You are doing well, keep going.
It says {"hour": 4, "minute": 58}
